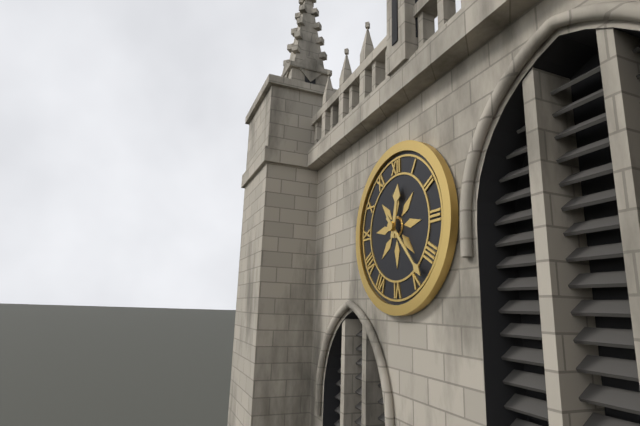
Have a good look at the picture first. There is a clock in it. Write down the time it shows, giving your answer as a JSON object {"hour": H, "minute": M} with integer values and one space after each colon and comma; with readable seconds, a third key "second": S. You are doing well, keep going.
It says {"hour": 12, "minute": 23}
